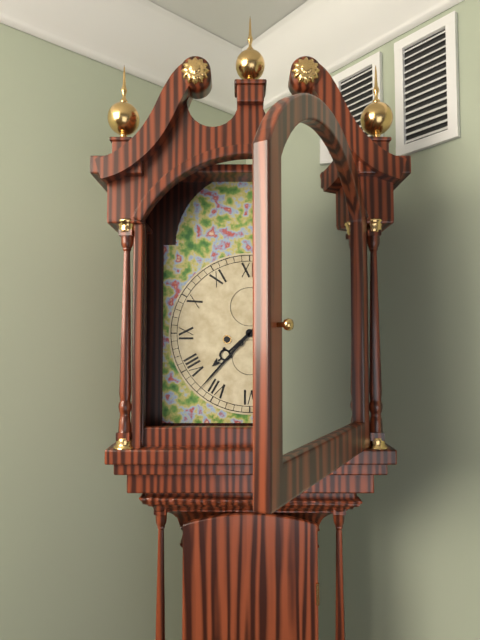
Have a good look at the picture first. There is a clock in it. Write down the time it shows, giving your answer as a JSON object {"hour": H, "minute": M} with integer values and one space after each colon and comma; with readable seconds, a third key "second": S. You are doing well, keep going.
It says {"hour": 7, "minute": 37}
